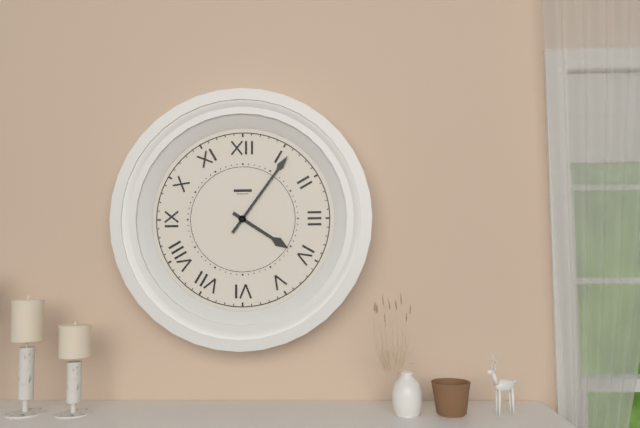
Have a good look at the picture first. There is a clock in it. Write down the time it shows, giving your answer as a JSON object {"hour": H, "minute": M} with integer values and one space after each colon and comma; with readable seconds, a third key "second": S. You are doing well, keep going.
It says {"hour": 4, "minute": 6}
